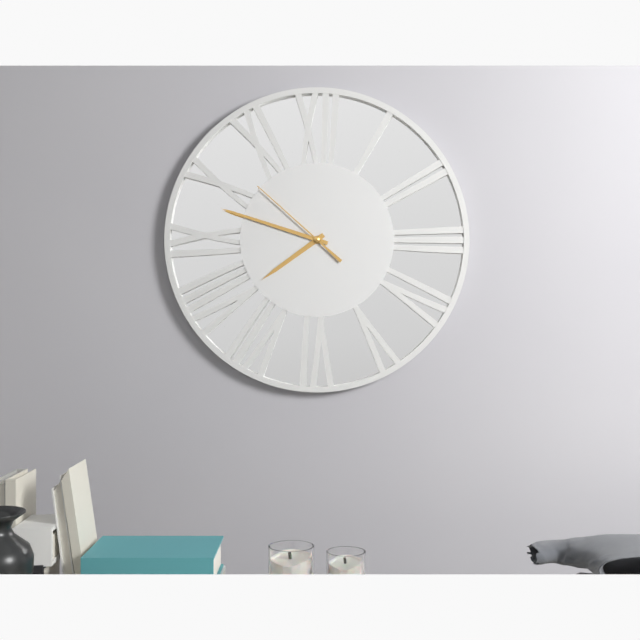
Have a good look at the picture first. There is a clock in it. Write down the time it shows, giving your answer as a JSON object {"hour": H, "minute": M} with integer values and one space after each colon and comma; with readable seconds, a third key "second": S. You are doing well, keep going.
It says {"hour": 7, "minute": 48, "second": 52}
